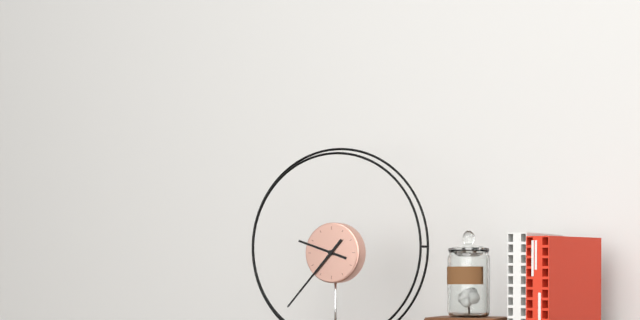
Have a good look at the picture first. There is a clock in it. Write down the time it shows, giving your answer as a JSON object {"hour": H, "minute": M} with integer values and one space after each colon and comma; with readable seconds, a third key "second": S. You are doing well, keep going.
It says {"hour": 9, "minute": 37}
